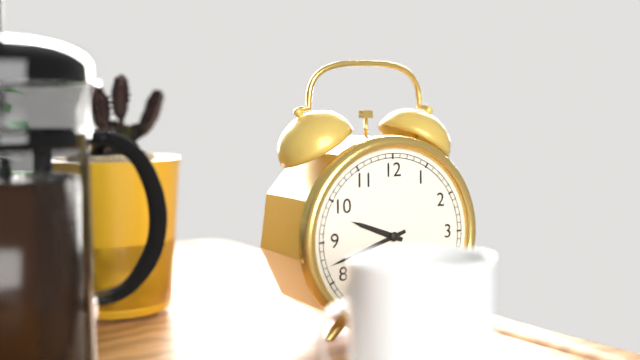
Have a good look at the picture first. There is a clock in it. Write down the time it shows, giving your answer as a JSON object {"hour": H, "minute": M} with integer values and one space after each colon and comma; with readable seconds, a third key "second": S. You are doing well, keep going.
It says {"hour": 9, "minute": 42}
